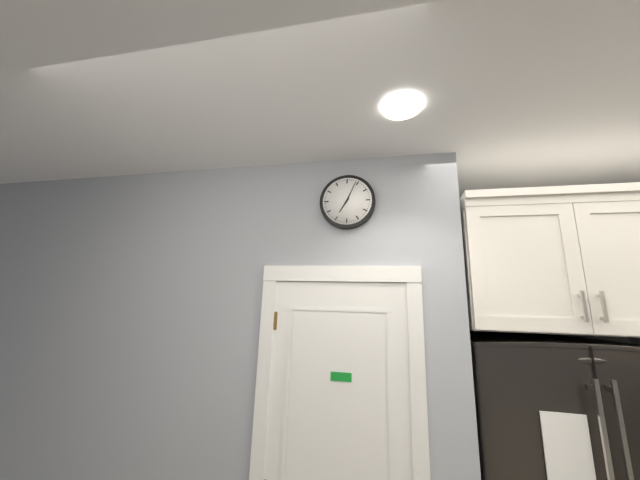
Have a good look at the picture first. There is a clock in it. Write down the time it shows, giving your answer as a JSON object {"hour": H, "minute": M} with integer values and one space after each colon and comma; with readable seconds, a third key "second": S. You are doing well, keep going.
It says {"hour": 7, "minute": 4}
